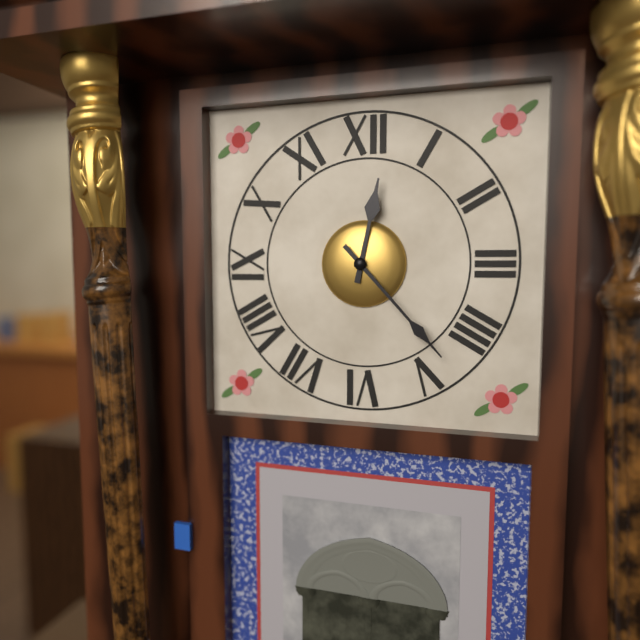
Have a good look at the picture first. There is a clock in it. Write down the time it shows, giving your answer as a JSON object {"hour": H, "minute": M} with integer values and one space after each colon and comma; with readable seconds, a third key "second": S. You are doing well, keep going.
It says {"hour": 12, "minute": 23}
